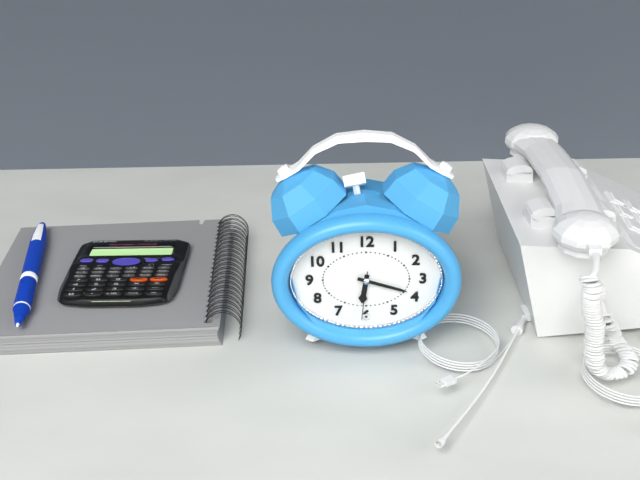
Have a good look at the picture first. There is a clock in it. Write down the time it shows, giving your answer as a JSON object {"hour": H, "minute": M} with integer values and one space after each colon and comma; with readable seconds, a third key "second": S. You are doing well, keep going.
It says {"hour": 6, "minute": 18}
